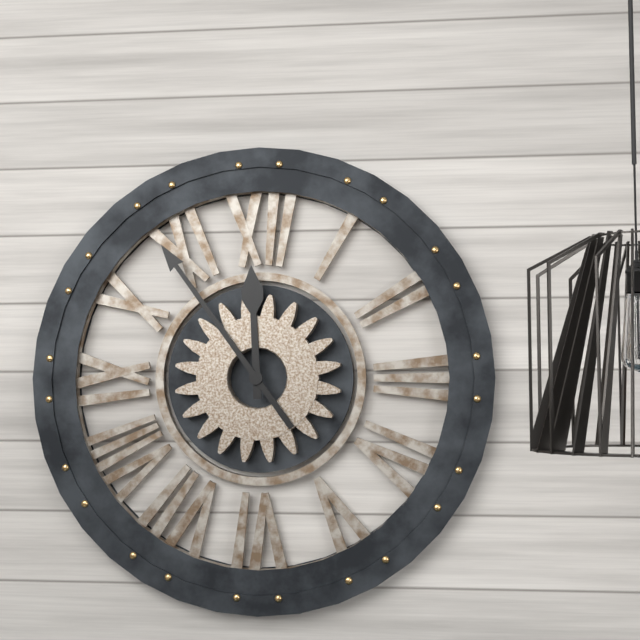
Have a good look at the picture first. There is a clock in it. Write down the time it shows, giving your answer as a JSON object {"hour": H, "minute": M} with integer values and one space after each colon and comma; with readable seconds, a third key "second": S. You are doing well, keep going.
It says {"hour": 11, "minute": 54}
